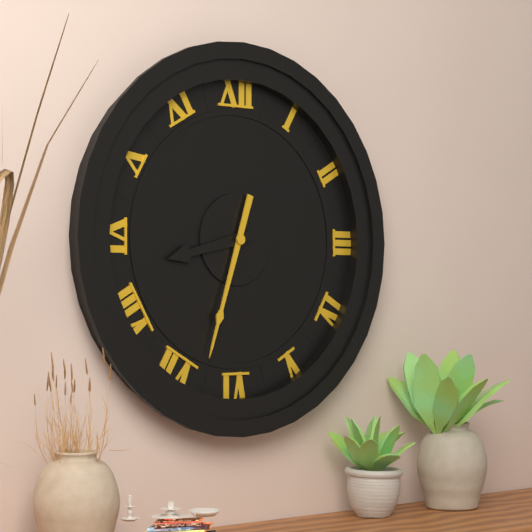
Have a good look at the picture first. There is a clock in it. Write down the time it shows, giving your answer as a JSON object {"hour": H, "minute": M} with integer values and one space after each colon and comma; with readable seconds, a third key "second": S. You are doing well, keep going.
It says {"hour": 8, "minute": 33}
